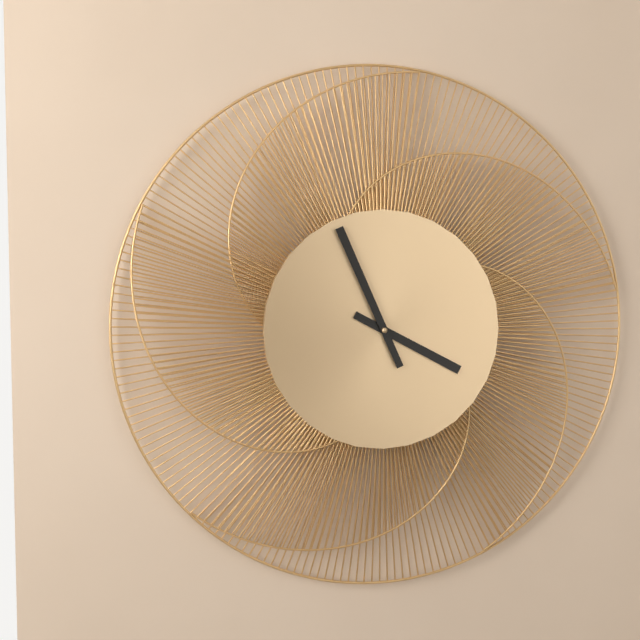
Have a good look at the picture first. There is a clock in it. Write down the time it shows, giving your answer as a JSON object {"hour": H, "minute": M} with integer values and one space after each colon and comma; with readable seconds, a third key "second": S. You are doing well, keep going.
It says {"hour": 3, "minute": 56}
